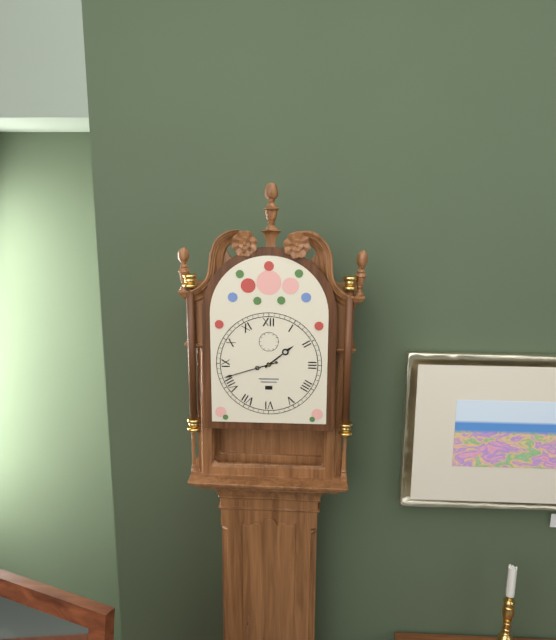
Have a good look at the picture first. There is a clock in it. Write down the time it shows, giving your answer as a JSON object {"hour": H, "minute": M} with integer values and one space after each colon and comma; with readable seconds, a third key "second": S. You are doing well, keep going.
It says {"hour": 1, "minute": 42}
